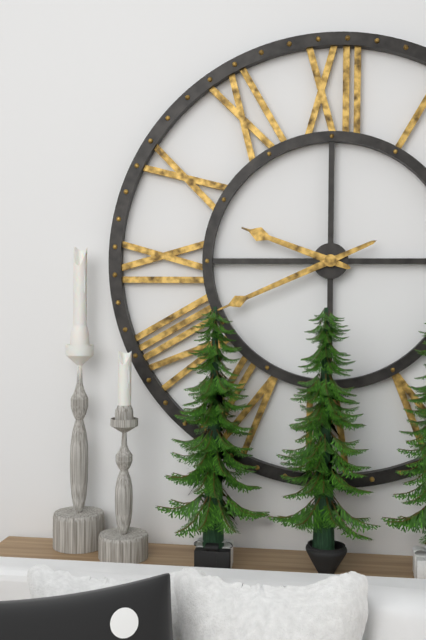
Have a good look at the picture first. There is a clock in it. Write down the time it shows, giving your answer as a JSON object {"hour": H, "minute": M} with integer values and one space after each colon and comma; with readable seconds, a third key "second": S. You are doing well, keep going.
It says {"hour": 9, "minute": 41}
